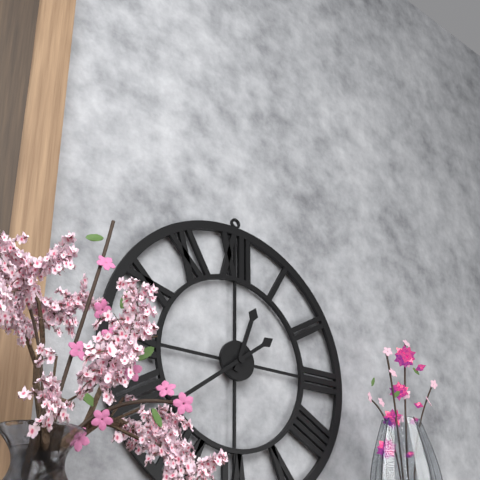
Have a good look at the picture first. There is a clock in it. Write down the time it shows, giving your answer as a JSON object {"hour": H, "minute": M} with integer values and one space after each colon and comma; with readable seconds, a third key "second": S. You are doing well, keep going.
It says {"hour": 12, "minute": 39}
